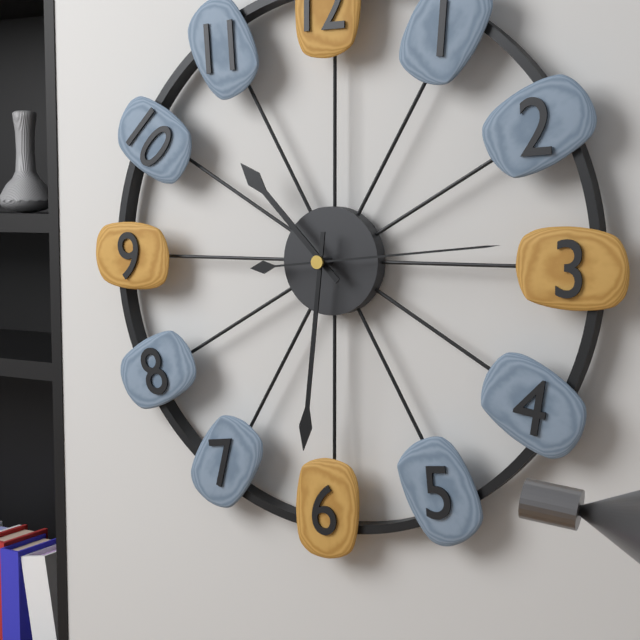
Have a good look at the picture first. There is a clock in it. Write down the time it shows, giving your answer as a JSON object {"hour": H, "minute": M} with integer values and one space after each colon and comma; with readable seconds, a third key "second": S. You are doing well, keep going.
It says {"hour": 10, "minute": 31, "second": 14}
